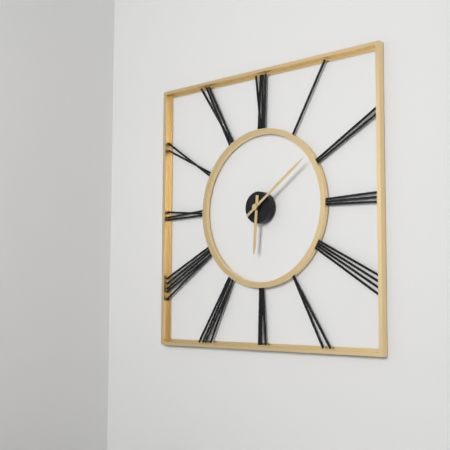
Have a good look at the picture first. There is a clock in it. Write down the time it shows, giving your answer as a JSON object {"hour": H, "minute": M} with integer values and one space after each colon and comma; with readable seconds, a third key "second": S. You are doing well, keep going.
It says {"hour": 6, "minute": 9}
